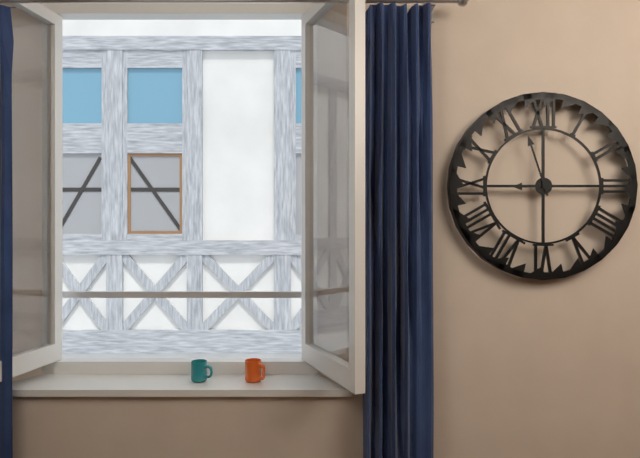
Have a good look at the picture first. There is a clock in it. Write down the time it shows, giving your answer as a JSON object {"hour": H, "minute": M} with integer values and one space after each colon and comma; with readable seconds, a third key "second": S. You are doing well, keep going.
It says {"hour": 8, "minute": 57}
